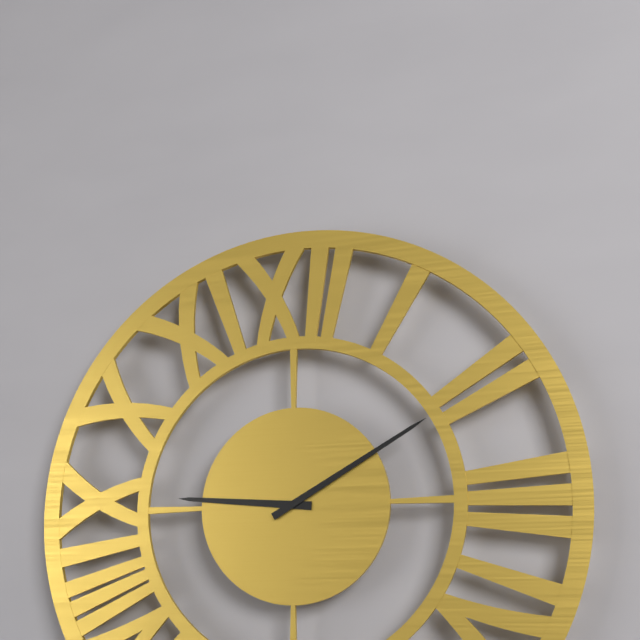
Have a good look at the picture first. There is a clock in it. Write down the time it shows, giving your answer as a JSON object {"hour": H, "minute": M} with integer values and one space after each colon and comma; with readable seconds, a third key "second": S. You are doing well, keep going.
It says {"hour": 9, "minute": 10}
